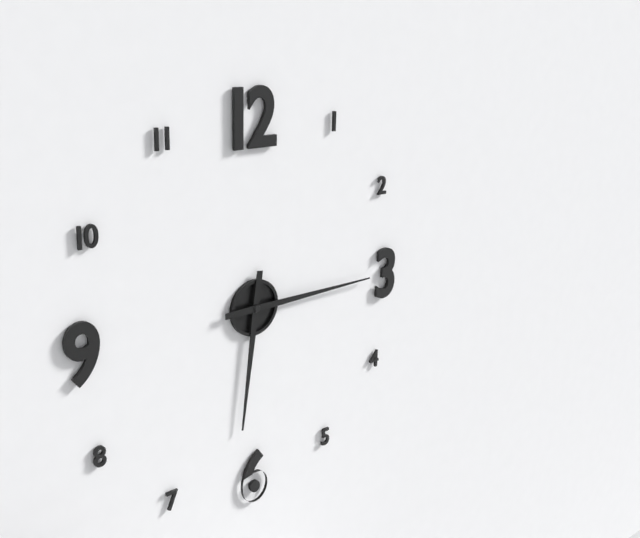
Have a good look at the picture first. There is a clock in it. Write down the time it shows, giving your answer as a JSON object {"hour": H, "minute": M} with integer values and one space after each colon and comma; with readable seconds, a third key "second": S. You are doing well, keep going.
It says {"hour": 6, "minute": 15}
